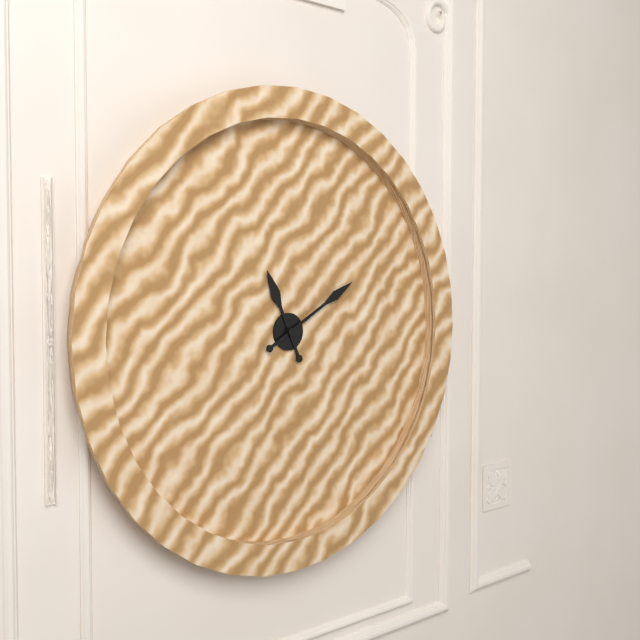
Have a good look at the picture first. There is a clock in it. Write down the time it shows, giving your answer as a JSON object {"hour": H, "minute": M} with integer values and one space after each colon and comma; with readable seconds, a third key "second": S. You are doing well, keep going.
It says {"hour": 11, "minute": 10}
